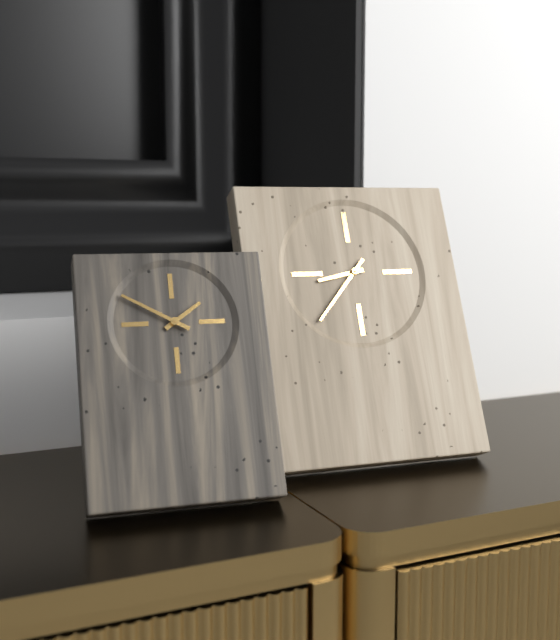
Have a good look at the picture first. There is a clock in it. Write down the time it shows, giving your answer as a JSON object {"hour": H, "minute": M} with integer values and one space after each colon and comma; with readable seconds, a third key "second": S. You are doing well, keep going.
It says {"hour": 8, "minute": 37}
